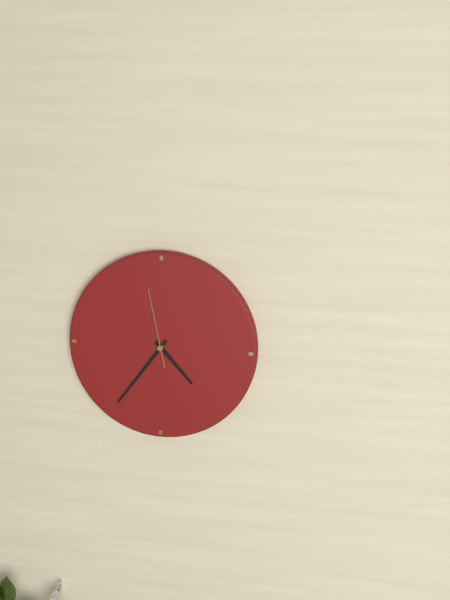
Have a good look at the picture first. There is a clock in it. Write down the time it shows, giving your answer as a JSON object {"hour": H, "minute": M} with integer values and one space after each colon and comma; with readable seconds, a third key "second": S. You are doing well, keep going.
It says {"hour": 4, "minute": 36, "second": 58}
